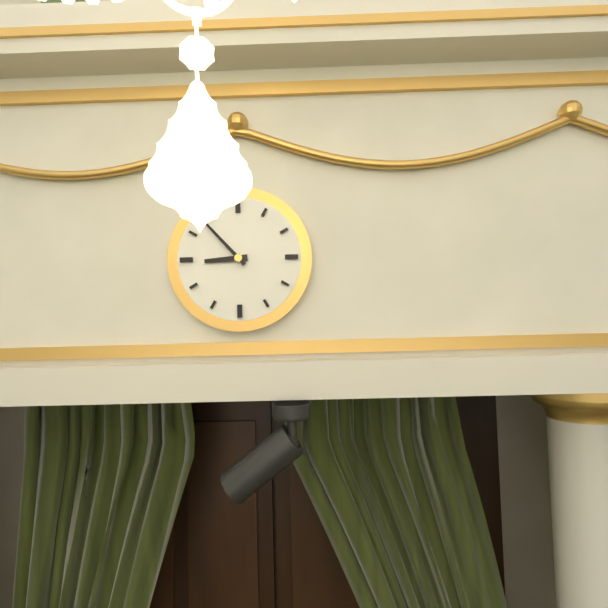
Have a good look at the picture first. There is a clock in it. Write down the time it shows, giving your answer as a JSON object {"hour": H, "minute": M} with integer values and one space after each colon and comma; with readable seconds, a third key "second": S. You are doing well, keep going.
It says {"hour": 8, "minute": 53}
